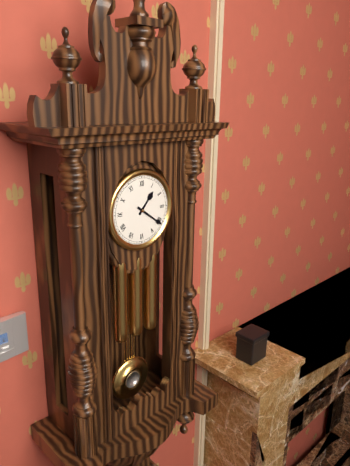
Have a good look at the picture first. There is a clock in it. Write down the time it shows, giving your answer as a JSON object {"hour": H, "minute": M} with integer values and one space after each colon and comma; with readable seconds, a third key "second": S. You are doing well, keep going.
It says {"hour": 1, "minute": 21}
